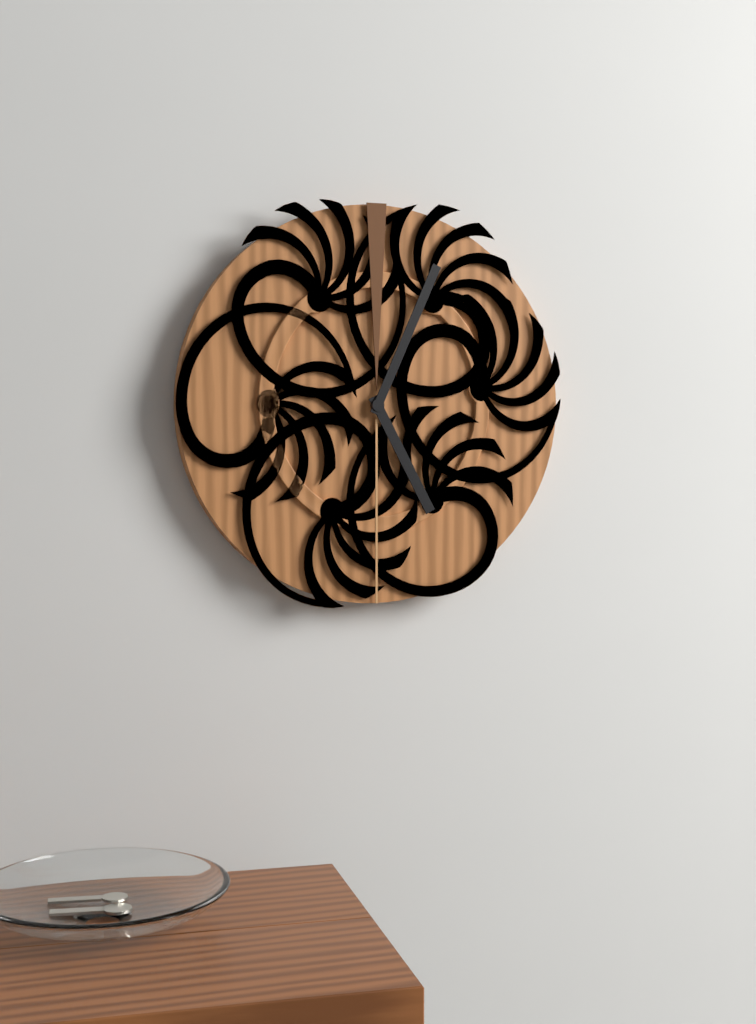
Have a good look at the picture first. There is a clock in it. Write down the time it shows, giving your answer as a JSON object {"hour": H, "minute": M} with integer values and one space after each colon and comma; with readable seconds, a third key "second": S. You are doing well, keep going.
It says {"hour": 5, "minute": 4}
